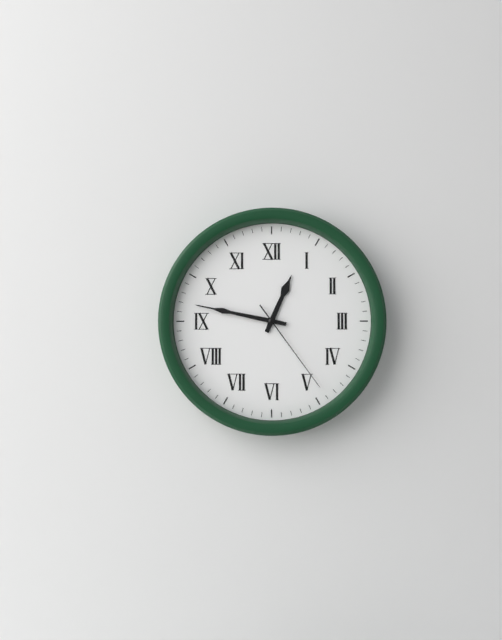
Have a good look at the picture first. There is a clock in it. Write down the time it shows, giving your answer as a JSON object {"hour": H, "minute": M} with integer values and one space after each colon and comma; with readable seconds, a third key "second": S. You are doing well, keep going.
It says {"hour": 12, "minute": 47, "second": 24}
